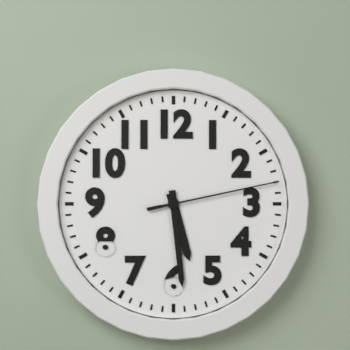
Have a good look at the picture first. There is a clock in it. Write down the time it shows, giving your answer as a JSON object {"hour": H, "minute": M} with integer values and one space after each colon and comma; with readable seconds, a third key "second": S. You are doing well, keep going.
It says {"hour": 5, "minute": 29, "second": 13}
